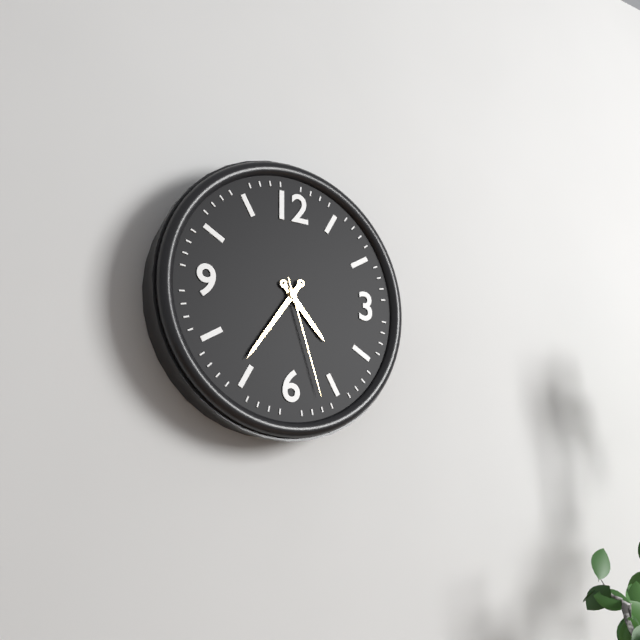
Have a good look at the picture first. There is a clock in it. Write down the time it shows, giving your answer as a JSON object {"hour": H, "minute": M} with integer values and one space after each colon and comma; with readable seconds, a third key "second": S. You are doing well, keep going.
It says {"hour": 4, "minute": 36, "second": 27}
